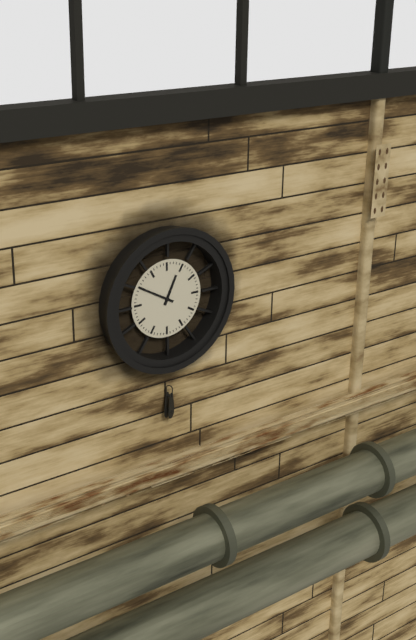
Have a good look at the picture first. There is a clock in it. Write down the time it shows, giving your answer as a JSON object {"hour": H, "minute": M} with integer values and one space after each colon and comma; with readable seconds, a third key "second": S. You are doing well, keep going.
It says {"hour": 12, "minute": 50}
